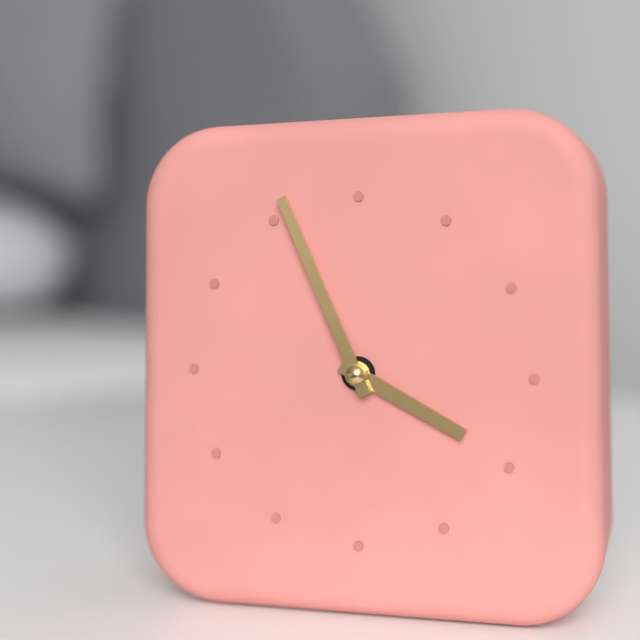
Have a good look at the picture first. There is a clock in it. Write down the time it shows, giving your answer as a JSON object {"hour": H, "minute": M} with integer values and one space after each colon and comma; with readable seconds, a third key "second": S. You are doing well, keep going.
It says {"hour": 3, "minute": 56}
